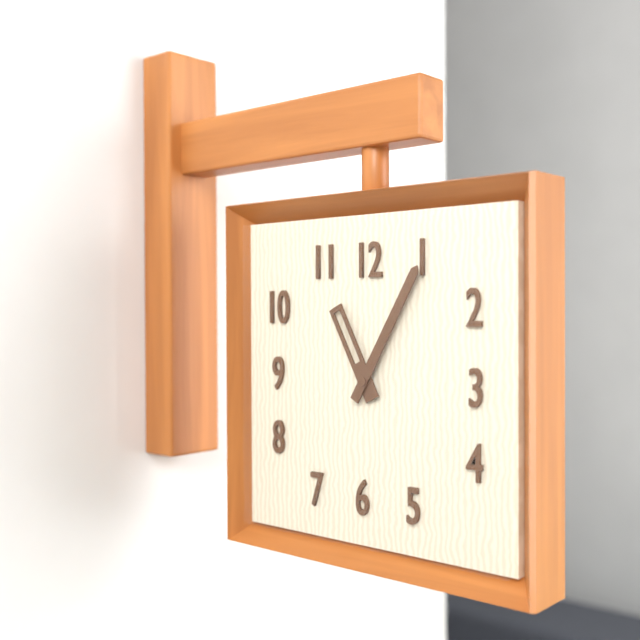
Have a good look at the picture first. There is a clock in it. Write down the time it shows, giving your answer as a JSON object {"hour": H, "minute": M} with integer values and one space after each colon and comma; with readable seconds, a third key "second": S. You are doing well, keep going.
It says {"hour": 11, "minute": 5}
